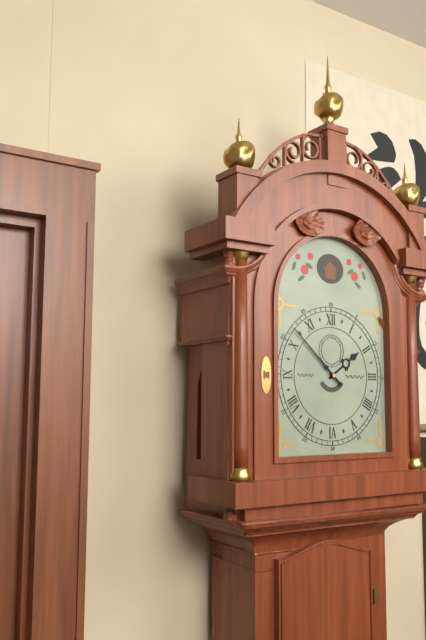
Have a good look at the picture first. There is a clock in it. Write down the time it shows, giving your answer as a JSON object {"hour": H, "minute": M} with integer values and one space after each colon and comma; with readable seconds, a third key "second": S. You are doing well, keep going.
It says {"hour": 1, "minute": 52}
